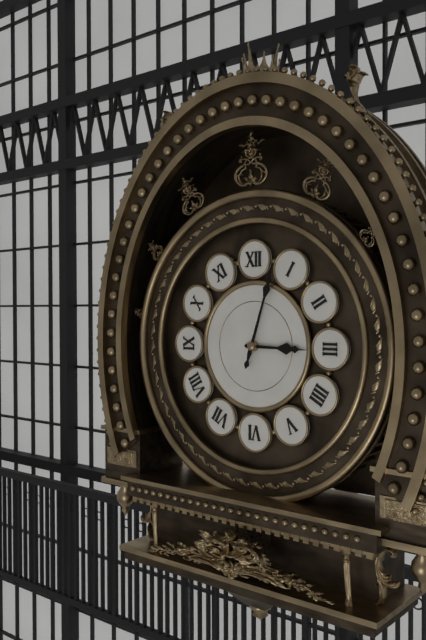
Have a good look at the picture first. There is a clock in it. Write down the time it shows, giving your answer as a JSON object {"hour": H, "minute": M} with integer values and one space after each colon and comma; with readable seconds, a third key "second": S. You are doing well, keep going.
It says {"hour": 3, "minute": 3}
